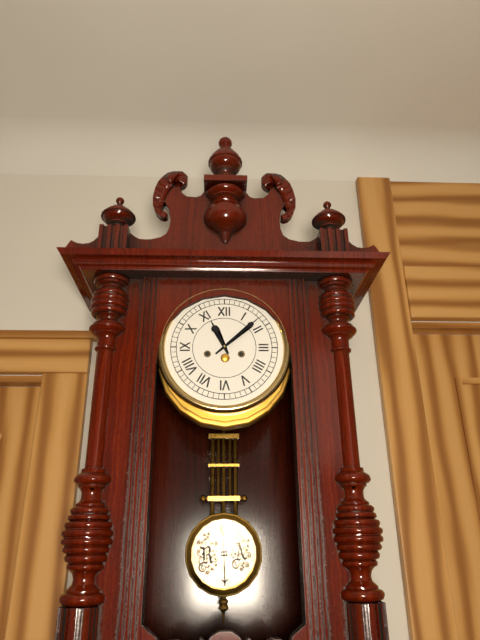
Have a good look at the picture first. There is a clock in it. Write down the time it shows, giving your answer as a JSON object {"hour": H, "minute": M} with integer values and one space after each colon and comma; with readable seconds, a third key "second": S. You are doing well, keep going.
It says {"hour": 11, "minute": 8}
